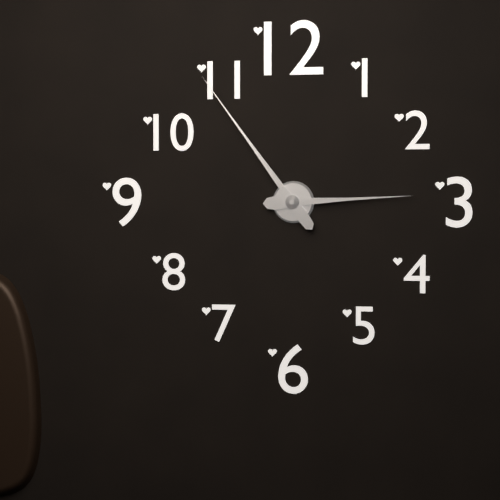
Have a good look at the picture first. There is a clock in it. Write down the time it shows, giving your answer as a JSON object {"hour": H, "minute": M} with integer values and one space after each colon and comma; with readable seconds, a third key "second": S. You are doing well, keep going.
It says {"hour": 2, "minute": 54}
